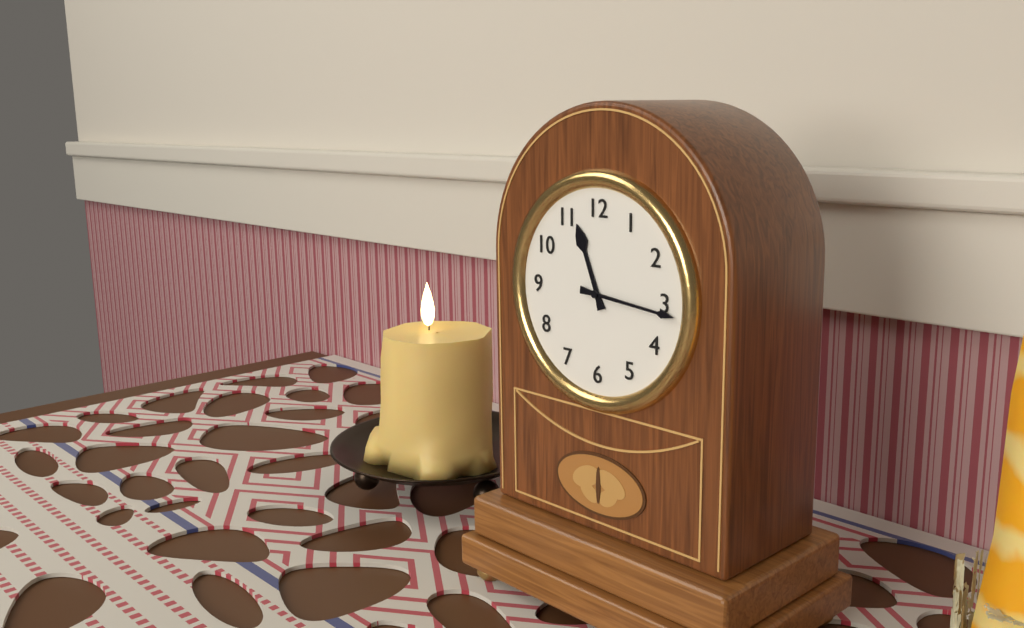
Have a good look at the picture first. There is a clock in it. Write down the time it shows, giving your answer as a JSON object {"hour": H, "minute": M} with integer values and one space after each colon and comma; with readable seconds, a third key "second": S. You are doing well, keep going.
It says {"hour": 11, "minute": 16}
